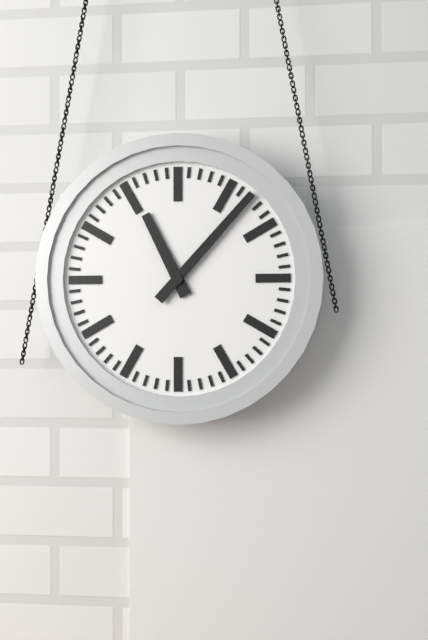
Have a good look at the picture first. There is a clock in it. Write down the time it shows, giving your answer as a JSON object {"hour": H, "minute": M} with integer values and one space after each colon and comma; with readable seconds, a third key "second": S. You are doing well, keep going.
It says {"hour": 11, "minute": 7}
